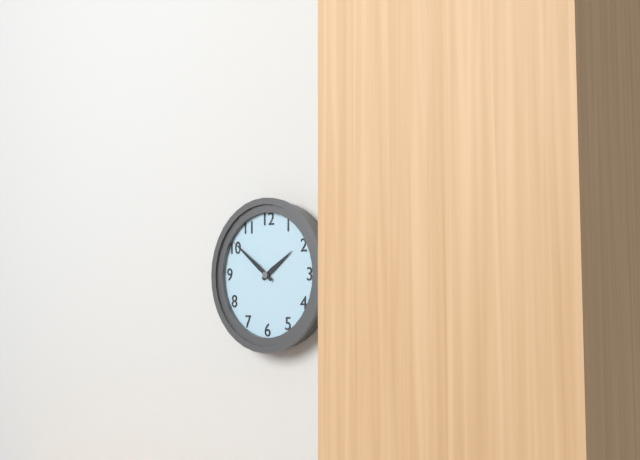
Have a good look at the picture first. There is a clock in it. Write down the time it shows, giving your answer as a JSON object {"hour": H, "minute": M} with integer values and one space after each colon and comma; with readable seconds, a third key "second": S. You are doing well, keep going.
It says {"hour": 1, "minute": 51}
